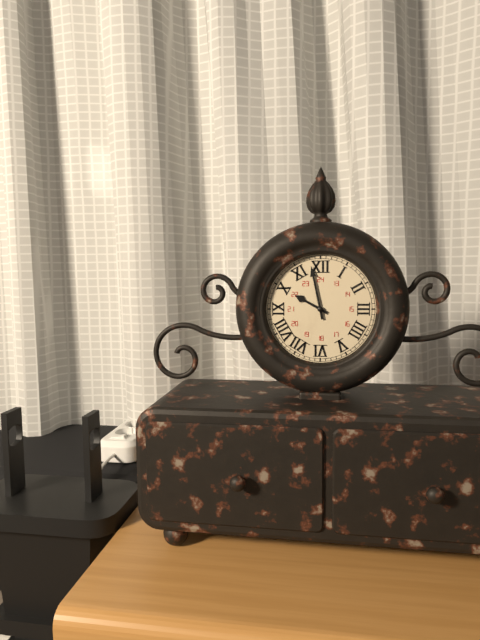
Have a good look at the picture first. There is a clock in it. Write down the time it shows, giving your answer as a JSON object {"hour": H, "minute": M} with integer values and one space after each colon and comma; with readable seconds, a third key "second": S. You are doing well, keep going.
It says {"hour": 9, "minute": 58}
